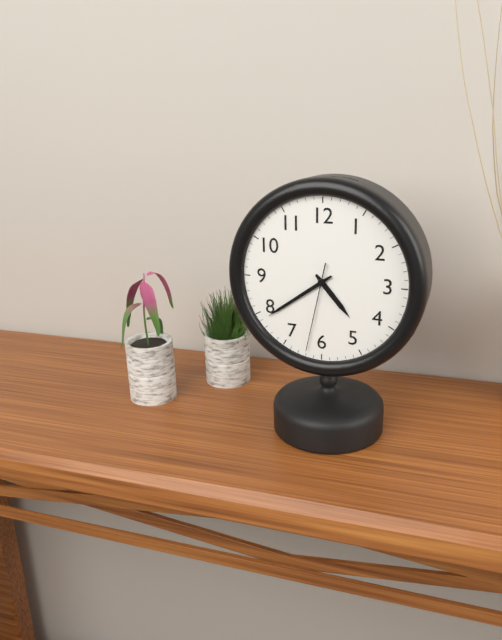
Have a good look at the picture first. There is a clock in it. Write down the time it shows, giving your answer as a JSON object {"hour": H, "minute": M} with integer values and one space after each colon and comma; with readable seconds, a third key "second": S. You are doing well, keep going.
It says {"hour": 4, "minute": 39, "second": 32}
